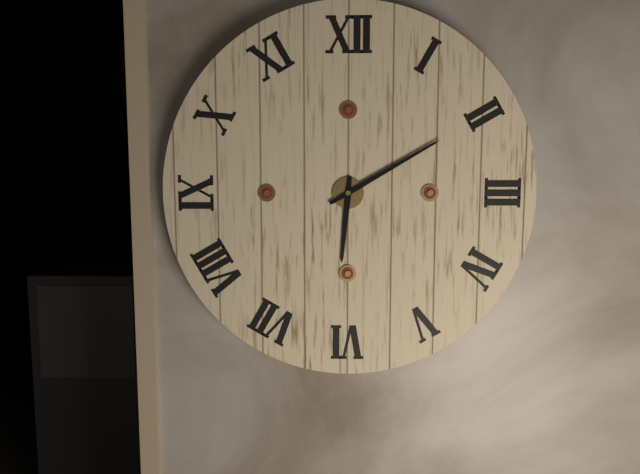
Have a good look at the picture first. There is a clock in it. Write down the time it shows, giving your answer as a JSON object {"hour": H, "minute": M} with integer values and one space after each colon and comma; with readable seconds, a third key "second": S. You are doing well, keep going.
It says {"hour": 6, "minute": 10}
